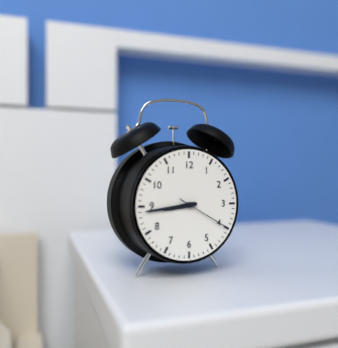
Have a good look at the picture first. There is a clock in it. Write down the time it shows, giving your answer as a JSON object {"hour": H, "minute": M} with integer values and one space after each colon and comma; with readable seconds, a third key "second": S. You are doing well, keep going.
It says {"hour": 8, "minute": 44, "second": 20}
